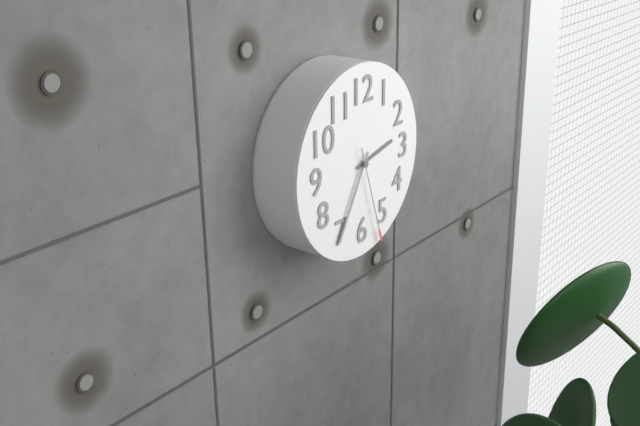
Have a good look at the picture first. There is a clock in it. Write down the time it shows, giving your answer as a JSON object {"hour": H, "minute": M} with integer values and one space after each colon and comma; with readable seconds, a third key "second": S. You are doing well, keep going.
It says {"hour": 2, "minute": 35, "second": 27}
